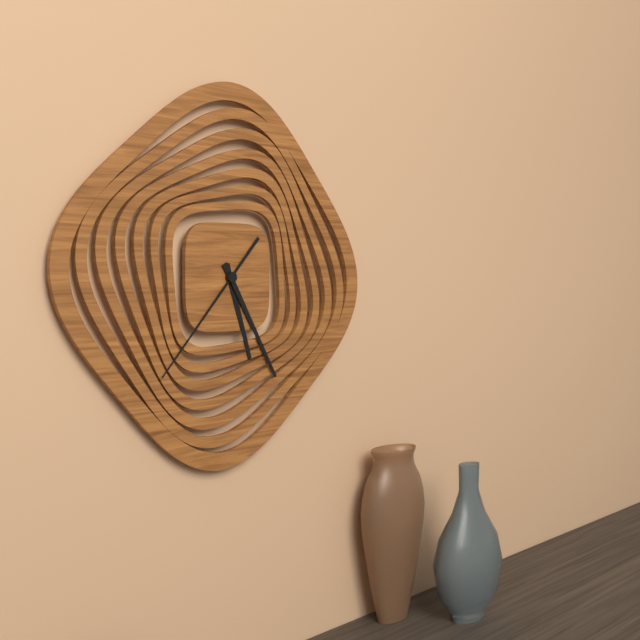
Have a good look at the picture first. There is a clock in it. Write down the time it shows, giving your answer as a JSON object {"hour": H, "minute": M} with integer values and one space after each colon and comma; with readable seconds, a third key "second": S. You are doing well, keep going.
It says {"hour": 5, "minute": 25, "second": 37}
